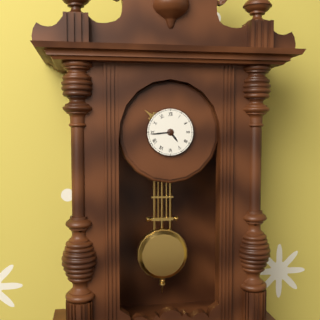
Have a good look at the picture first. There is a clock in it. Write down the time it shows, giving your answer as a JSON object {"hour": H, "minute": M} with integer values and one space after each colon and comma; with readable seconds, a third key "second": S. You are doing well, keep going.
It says {"hour": 4, "minute": 44}
